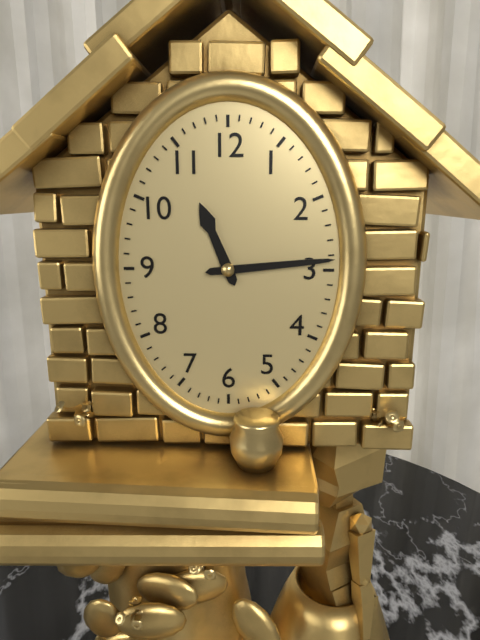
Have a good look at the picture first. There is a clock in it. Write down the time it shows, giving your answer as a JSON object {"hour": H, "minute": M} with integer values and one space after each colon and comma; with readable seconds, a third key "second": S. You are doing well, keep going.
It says {"hour": 11, "minute": 14}
